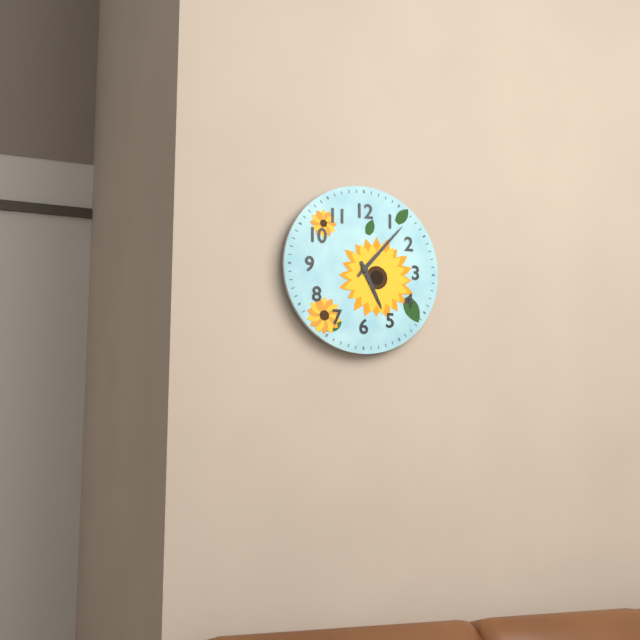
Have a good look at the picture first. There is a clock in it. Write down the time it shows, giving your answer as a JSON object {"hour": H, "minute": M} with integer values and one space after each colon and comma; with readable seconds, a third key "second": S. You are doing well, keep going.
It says {"hour": 5, "minute": 7}
